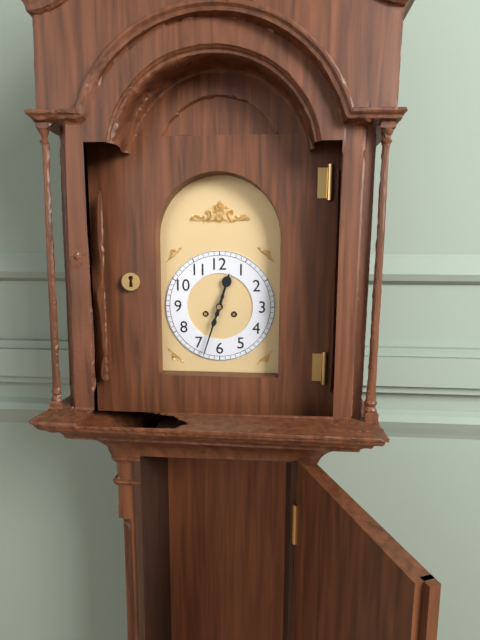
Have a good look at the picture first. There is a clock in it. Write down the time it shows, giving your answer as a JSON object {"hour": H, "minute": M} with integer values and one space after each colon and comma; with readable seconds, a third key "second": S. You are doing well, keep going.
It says {"hour": 12, "minute": 33}
